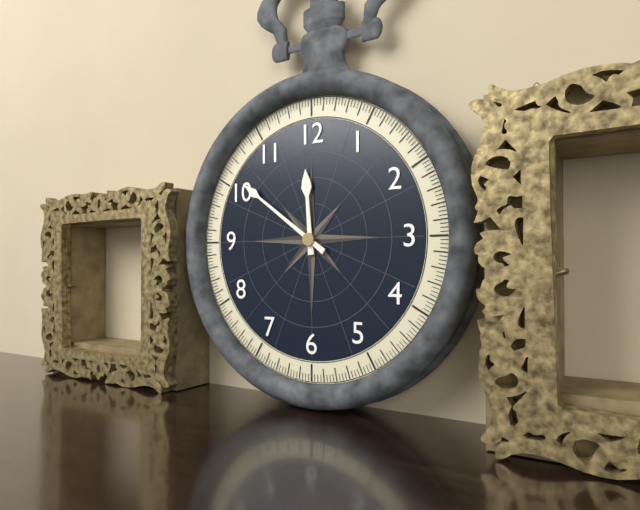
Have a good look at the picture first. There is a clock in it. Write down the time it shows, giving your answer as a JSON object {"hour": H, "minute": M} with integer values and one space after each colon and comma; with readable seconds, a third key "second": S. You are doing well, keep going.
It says {"hour": 11, "minute": 51}
